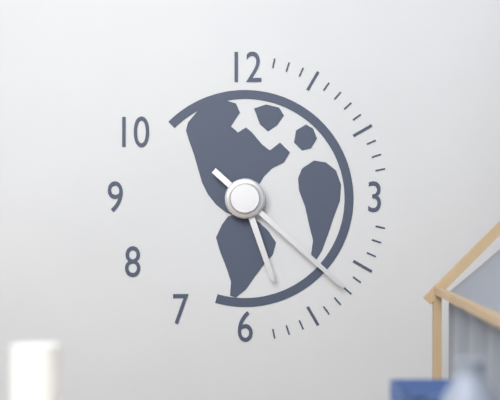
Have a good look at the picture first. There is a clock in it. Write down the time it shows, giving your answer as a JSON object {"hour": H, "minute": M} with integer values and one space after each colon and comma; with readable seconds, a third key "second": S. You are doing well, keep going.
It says {"hour": 5, "minute": 22}
